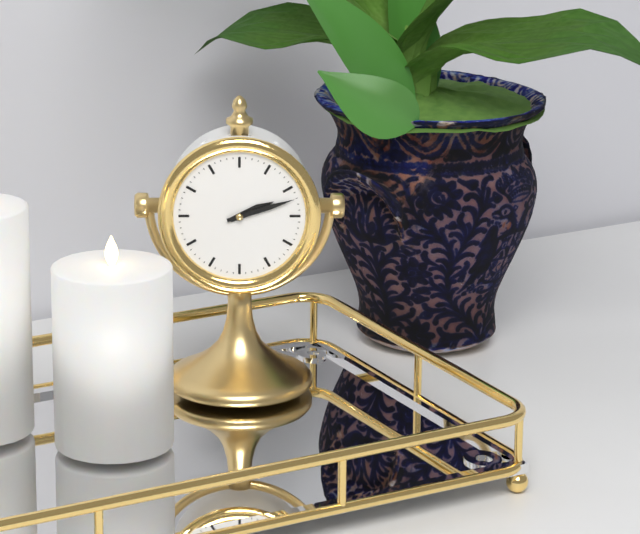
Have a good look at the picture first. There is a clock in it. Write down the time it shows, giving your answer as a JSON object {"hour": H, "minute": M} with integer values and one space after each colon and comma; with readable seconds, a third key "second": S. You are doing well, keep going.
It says {"hour": 2, "minute": 12}
